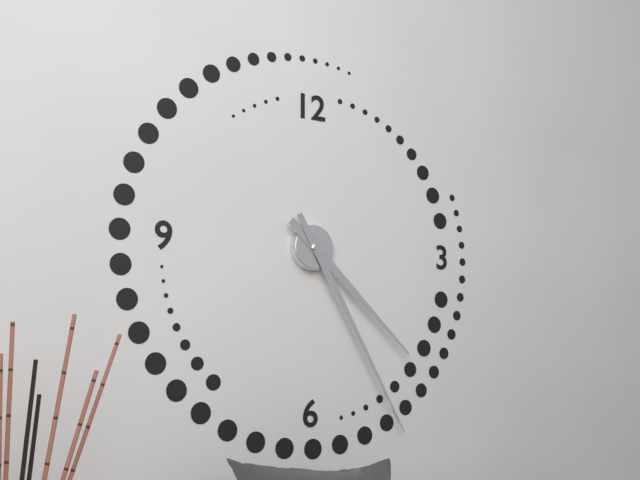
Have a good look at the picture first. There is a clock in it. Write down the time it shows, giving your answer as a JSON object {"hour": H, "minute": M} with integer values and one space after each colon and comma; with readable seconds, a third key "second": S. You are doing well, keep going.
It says {"hour": 4, "minute": 25}
